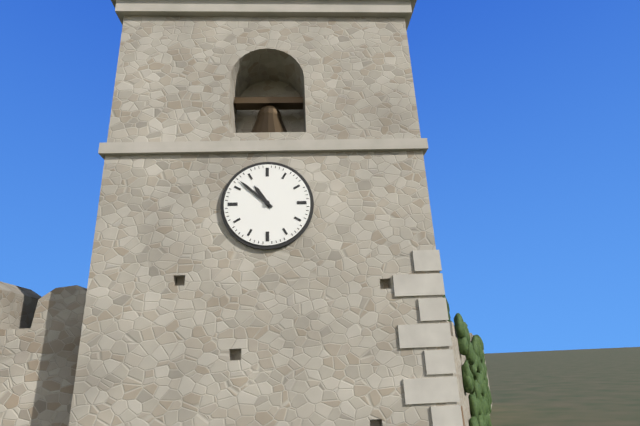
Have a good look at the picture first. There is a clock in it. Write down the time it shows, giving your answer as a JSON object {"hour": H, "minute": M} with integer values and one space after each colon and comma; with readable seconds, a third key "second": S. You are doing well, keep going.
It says {"hour": 10, "minute": 52}
